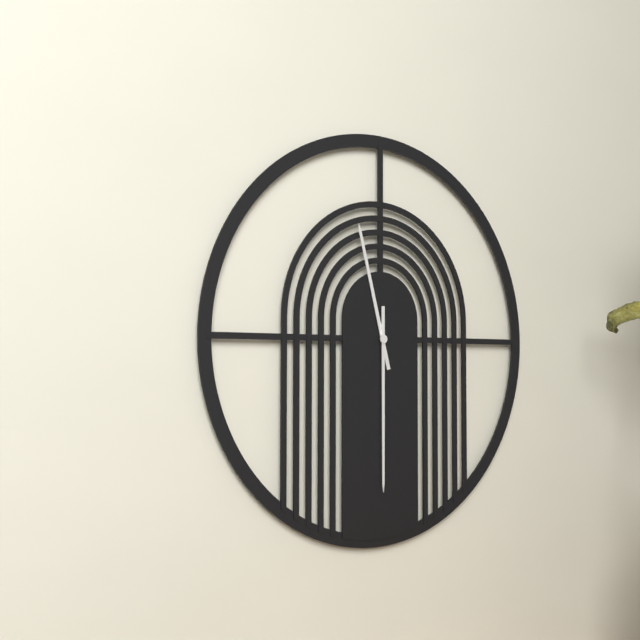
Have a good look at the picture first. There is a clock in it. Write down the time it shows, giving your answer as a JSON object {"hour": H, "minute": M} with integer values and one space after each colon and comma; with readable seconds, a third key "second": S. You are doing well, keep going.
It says {"hour": 11, "minute": 30}
